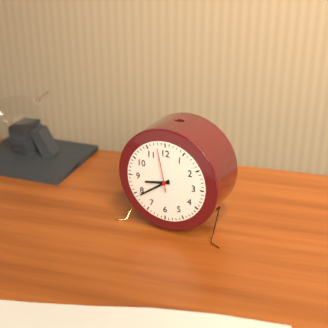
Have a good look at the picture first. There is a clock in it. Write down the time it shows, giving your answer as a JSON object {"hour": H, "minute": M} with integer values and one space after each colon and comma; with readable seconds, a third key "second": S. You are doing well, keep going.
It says {"hour": 8, "minute": 39}
